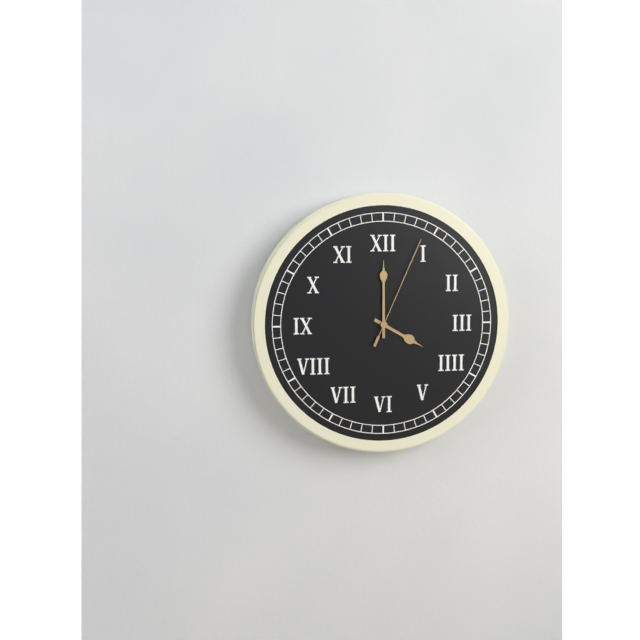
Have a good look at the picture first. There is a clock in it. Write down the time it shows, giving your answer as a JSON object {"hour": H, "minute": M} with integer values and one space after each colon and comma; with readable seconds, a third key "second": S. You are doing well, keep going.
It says {"hour": 4, "minute": 0, "second": 4}
